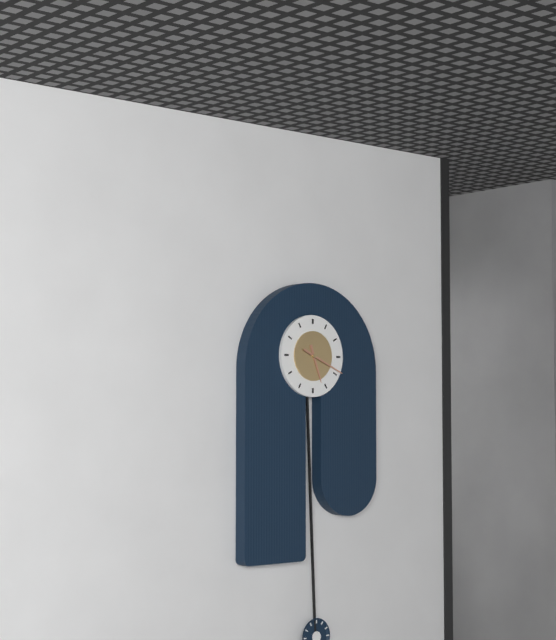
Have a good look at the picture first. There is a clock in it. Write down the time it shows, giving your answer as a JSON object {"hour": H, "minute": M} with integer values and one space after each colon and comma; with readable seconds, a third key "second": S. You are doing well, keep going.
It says {"hour": 5, "minute": 19}
